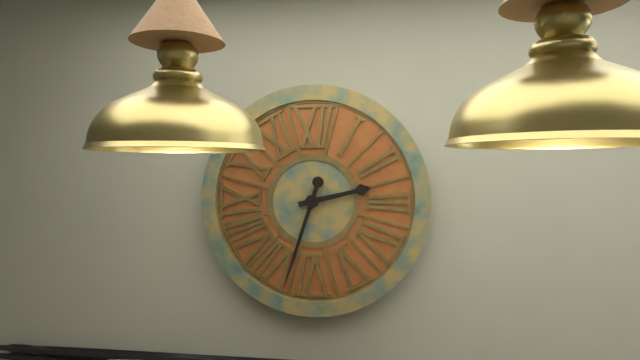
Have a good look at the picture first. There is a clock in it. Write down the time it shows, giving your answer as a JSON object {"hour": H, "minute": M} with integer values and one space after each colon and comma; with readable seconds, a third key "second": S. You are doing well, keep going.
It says {"hour": 2, "minute": 33}
